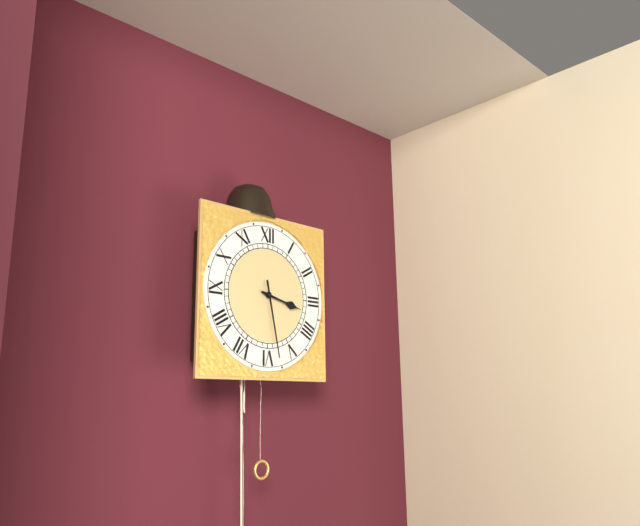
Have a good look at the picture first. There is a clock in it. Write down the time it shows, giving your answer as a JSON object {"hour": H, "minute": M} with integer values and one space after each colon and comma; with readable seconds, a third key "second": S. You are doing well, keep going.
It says {"hour": 3, "minute": 28}
